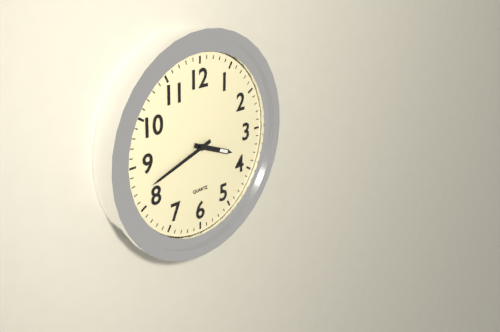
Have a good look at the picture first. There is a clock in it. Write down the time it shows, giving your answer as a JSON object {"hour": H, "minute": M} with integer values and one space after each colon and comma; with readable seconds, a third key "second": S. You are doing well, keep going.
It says {"hour": 3, "minute": 42}
